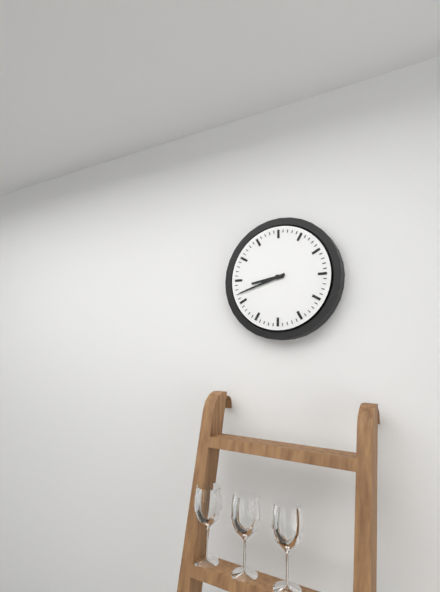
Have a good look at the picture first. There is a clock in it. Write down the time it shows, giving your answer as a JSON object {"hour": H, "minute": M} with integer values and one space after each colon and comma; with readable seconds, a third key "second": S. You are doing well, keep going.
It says {"hour": 8, "minute": 42}
